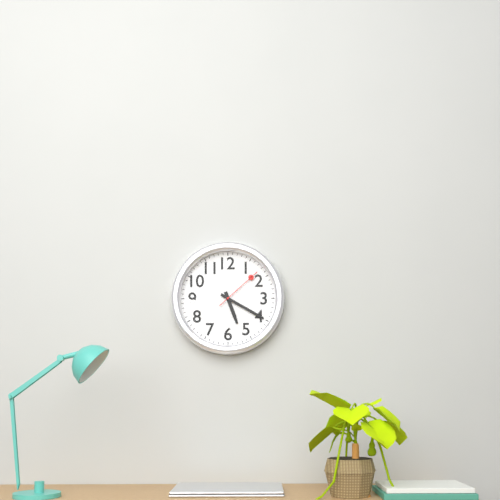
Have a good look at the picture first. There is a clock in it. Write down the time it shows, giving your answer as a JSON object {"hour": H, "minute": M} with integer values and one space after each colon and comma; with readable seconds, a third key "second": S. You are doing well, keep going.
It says {"hour": 5, "minute": 20}
